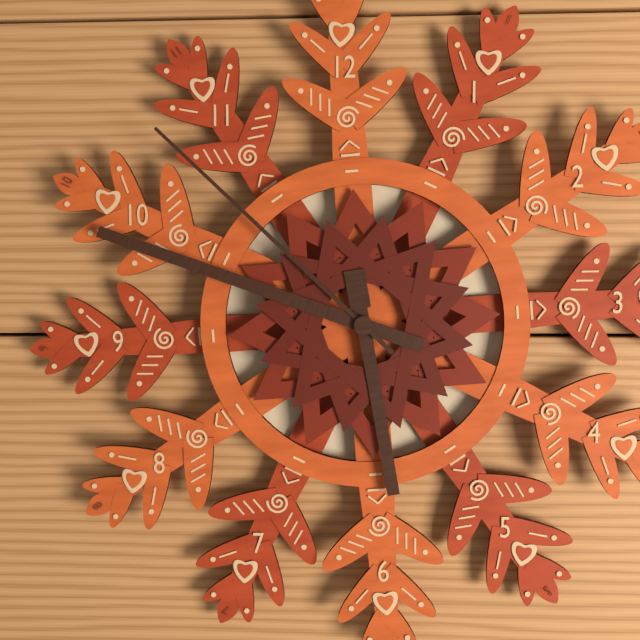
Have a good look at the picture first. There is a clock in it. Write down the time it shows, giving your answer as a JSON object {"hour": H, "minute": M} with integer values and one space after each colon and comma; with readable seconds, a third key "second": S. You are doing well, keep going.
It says {"hour": 5, "minute": 49, "second": 53}
